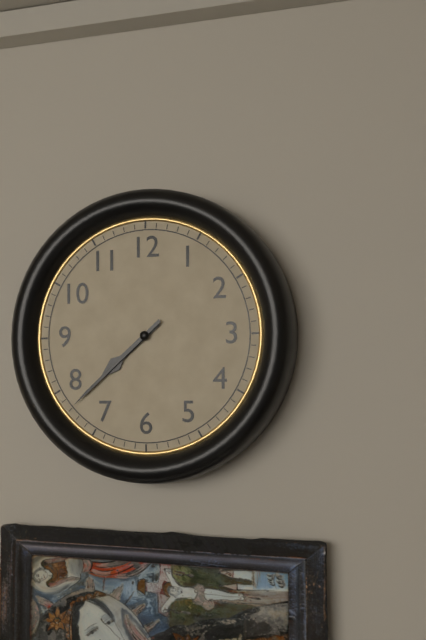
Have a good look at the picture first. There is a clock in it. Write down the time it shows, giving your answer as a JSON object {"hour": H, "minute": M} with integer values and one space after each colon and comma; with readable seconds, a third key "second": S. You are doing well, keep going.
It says {"hour": 7, "minute": 38}
